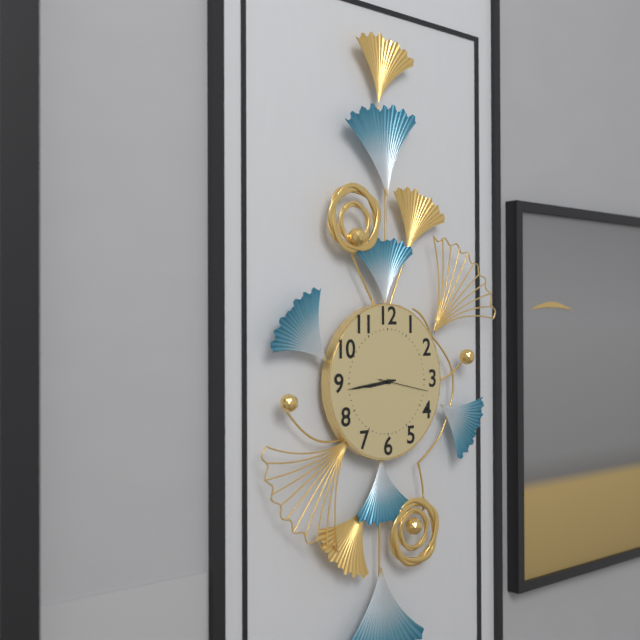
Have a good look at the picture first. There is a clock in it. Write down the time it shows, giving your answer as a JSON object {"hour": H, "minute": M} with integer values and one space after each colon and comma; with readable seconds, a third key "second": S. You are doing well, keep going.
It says {"hour": 8, "minute": 44, "second": 17}
